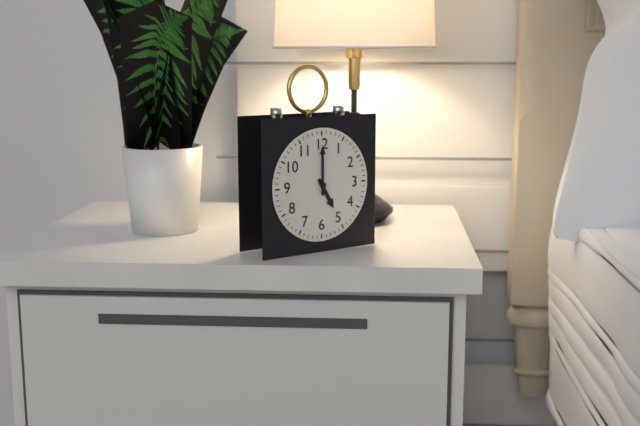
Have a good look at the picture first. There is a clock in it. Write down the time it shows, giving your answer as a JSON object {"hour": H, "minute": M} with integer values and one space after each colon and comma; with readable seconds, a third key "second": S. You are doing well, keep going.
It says {"hour": 5, "minute": 0}
